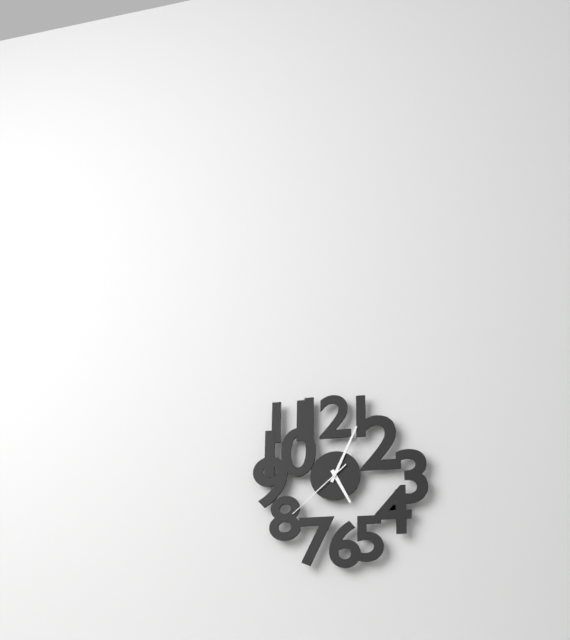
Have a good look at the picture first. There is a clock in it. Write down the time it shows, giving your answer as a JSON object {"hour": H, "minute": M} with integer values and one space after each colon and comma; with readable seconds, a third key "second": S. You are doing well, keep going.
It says {"hour": 5, "minute": 4, "second": 38}
